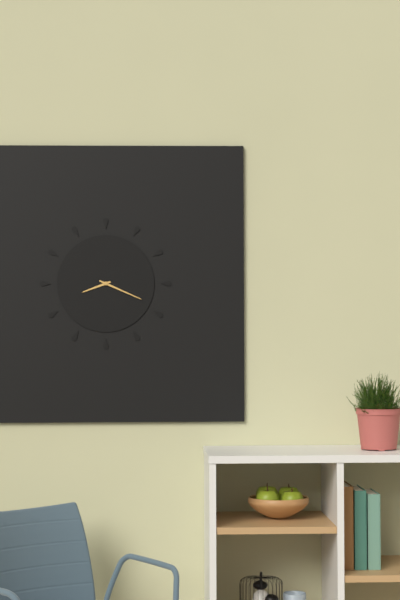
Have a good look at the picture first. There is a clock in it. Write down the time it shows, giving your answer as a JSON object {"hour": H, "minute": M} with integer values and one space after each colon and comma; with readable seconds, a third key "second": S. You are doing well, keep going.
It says {"hour": 8, "minute": 19}
